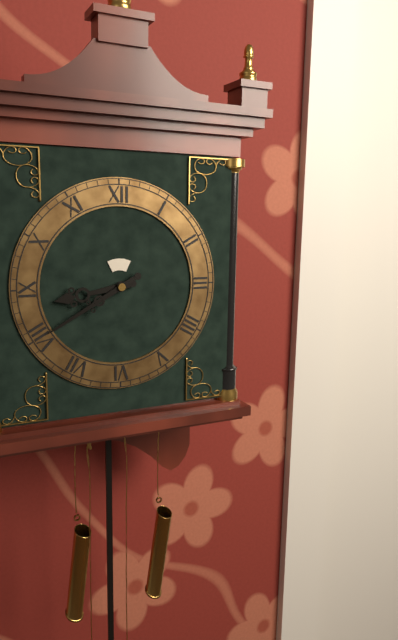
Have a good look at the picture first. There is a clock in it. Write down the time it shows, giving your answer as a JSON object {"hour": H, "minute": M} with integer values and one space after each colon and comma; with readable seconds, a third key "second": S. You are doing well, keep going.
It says {"hour": 8, "minute": 40}
